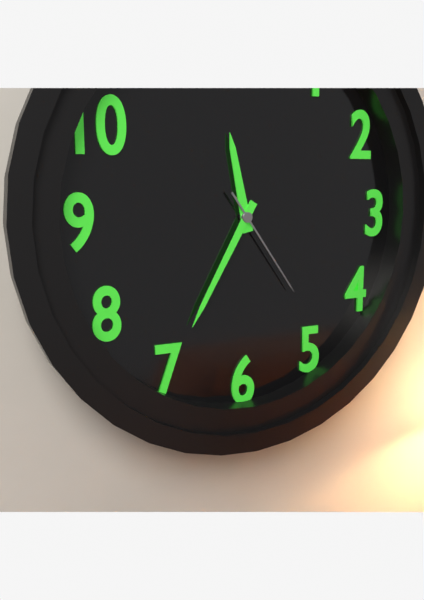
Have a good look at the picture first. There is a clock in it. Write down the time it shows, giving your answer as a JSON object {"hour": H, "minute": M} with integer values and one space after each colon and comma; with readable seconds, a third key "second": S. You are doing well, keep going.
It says {"hour": 11, "minute": 35, "second": 24}
